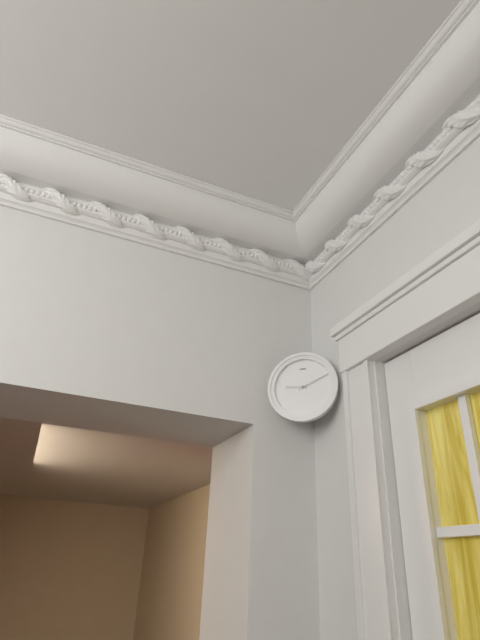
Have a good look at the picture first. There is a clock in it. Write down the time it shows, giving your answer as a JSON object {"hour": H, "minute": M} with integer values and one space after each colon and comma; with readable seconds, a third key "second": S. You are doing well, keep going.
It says {"hour": 9, "minute": 11}
